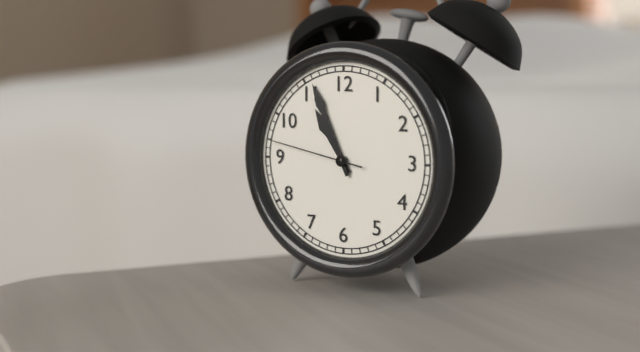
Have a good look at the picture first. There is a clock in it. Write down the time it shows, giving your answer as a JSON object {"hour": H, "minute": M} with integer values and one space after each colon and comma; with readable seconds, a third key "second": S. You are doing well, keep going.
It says {"hour": 10, "minute": 56, "second": 47}
